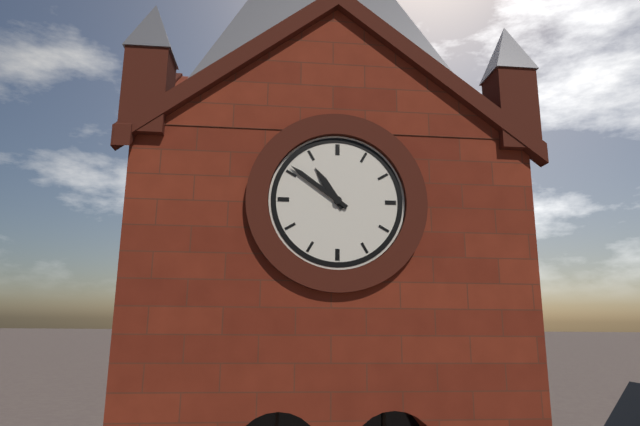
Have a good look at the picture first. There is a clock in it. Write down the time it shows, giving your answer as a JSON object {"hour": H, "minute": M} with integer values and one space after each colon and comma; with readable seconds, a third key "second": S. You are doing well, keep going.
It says {"hour": 10, "minute": 51}
